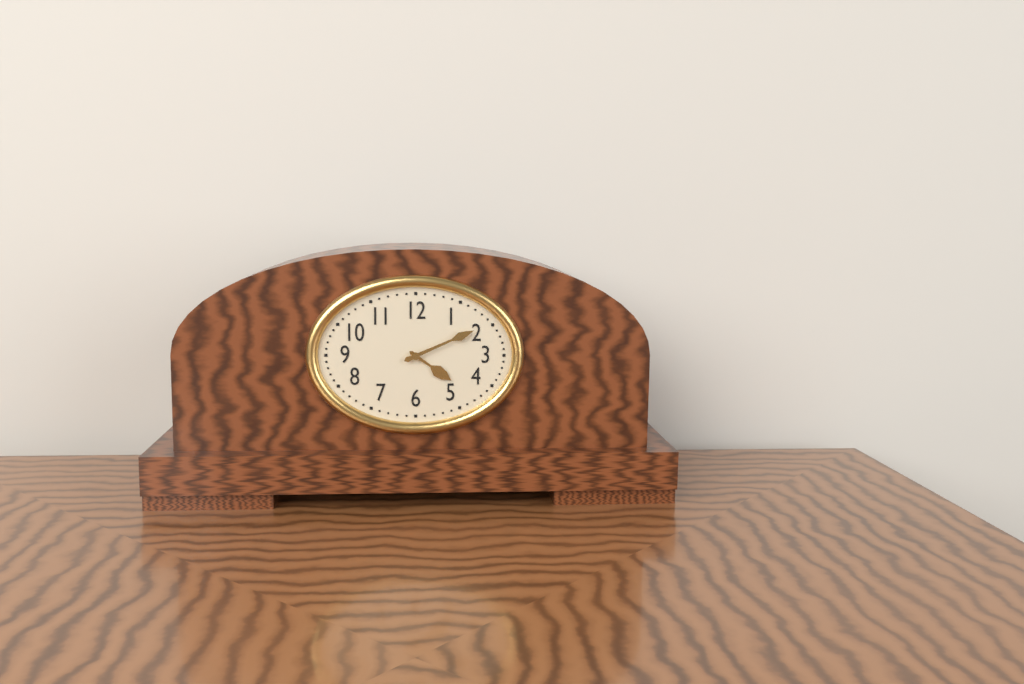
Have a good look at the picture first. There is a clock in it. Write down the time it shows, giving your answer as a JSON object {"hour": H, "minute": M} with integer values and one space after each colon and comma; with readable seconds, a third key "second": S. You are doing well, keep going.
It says {"hour": 4, "minute": 11}
